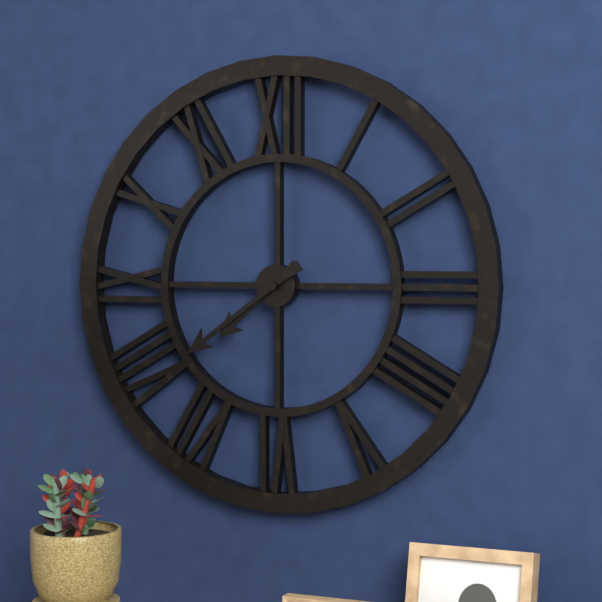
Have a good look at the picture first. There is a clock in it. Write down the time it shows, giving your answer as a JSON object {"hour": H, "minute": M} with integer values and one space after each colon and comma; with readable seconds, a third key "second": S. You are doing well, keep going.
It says {"hour": 7, "minute": 39}
